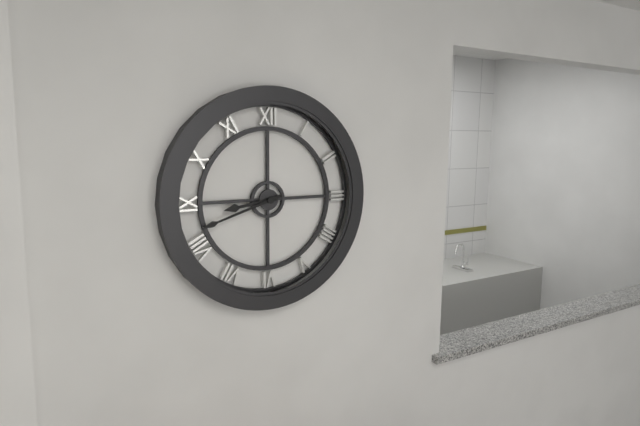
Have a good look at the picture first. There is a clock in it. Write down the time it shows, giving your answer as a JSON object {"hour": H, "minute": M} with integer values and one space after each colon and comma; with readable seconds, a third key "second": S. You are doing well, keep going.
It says {"hour": 8, "minute": 42}
